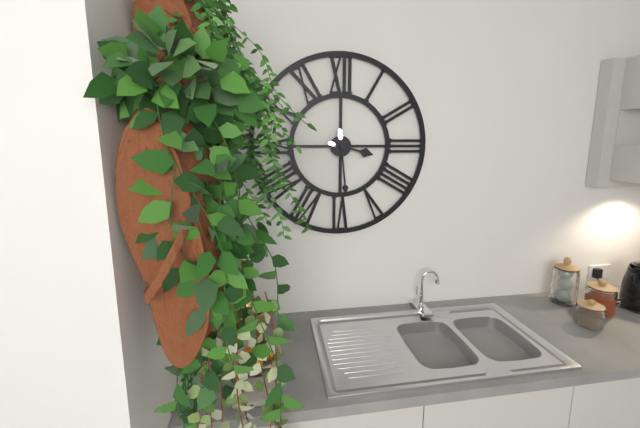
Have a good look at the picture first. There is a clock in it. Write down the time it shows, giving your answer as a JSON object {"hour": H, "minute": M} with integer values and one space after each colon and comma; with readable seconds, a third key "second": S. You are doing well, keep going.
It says {"hour": 3, "minute": 29}
